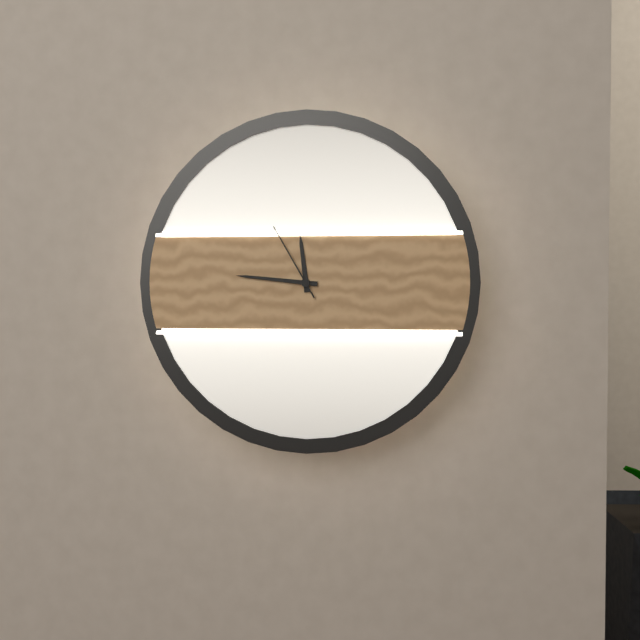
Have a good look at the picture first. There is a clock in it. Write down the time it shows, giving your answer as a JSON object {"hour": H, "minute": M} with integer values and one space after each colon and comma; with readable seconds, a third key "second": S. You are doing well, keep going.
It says {"hour": 11, "minute": 46, "second": 55}
